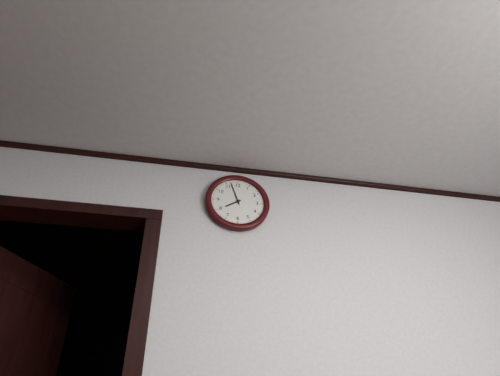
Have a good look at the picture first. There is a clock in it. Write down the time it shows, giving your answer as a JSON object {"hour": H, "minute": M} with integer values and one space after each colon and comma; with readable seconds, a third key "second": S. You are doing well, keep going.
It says {"hour": 7, "minute": 57}
